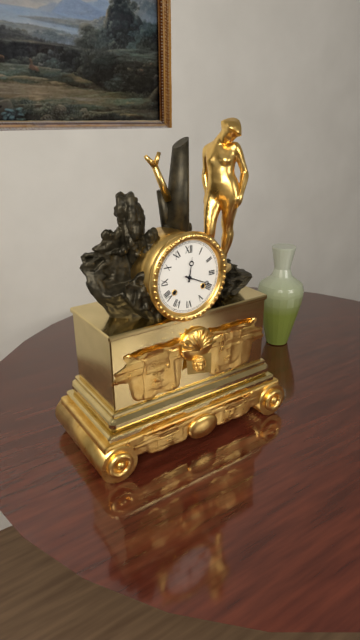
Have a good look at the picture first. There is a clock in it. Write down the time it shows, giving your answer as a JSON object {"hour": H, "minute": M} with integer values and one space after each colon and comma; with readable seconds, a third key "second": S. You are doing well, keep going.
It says {"hour": 12, "minute": 19}
